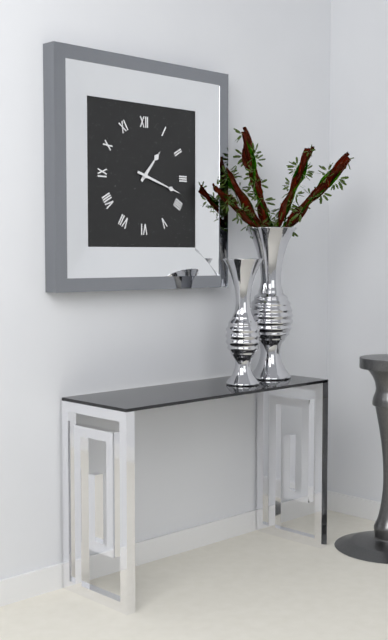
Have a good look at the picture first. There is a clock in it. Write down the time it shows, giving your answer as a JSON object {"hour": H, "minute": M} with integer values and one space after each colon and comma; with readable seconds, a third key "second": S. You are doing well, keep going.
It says {"hour": 1, "minute": 18}
